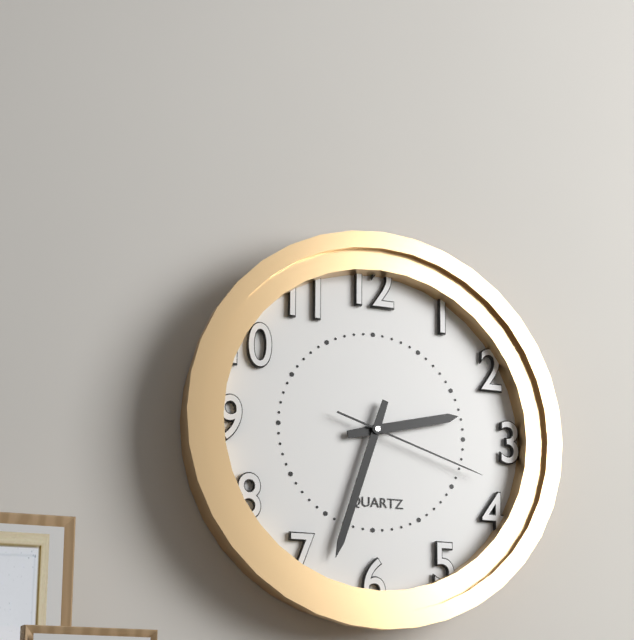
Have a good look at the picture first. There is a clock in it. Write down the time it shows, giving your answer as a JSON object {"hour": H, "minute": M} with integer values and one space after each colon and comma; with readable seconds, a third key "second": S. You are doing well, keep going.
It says {"hour": 2, "minute": 33, "second": 18}
